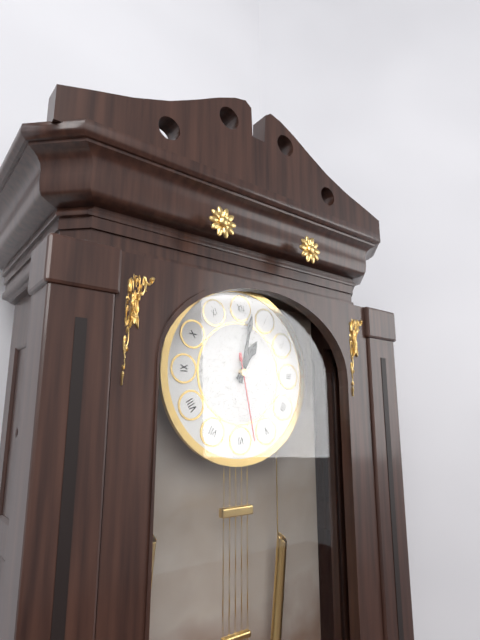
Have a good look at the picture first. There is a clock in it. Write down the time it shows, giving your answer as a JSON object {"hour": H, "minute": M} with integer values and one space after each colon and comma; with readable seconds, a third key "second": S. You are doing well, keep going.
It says {"hour": 1, "minute": 2, "second": 28}
